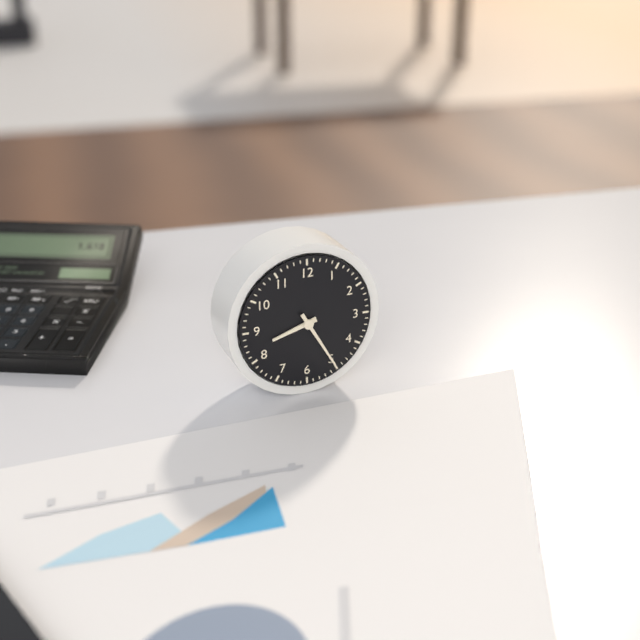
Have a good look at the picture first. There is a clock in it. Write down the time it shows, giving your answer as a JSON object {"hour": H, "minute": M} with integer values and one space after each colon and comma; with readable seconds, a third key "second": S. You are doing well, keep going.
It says {"hour": 8, "minute": 25}
